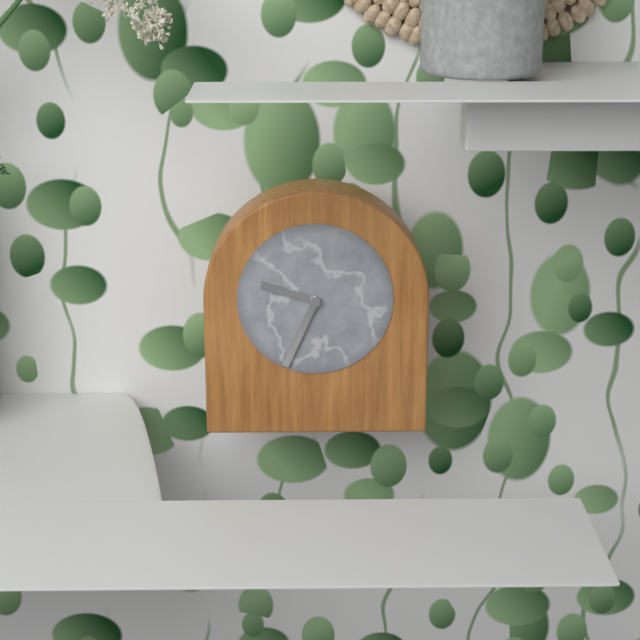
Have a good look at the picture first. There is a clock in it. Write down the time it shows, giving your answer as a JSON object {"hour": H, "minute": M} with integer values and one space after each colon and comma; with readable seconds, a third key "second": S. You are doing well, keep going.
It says {"hour": 9, "minute": 34}
